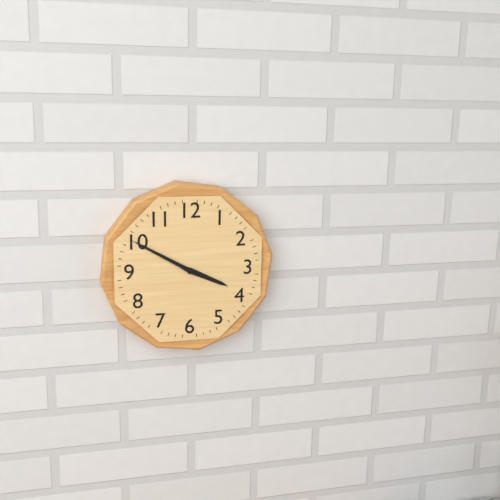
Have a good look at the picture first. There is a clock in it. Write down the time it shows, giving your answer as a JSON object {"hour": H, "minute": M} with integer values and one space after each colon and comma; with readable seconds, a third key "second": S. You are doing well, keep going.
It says {"hour": 3, "minute": 50}
